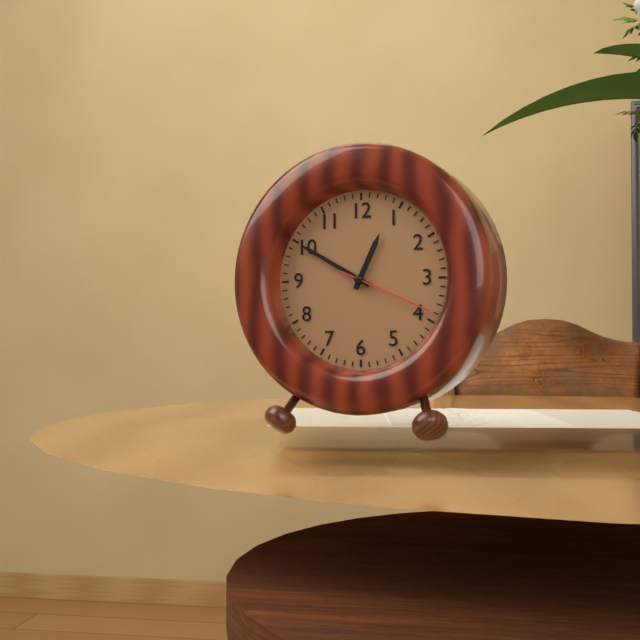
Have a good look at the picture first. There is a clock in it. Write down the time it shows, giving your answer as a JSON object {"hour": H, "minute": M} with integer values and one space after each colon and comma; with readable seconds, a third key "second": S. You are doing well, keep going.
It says {"hour": 12, "minute": 50, "second": 19}
